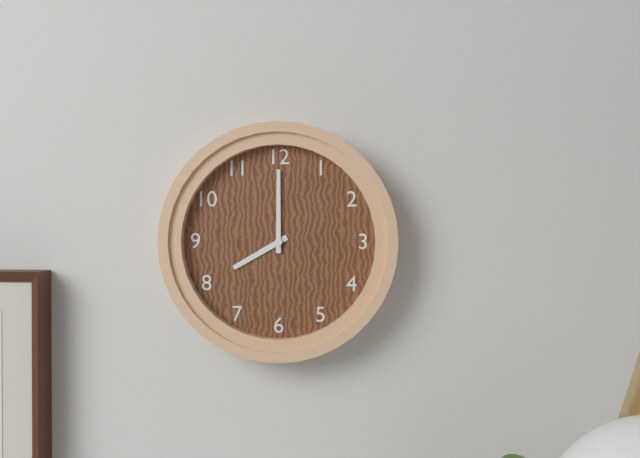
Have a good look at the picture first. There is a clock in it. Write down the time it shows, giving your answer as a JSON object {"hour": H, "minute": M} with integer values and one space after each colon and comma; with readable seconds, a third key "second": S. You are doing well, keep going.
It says {"hour": 8, "minute": 0}
